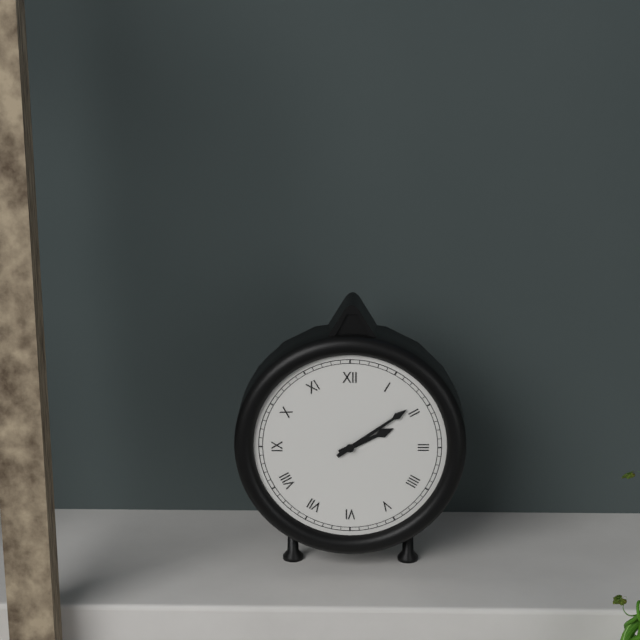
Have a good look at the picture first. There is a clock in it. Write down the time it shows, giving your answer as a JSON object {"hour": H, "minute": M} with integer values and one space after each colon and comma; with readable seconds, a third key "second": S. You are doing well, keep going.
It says {"hour": 2, "minute": 9}
